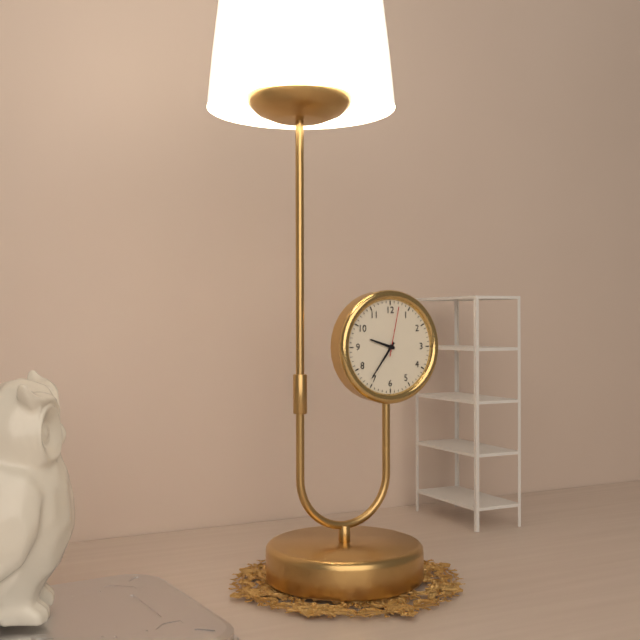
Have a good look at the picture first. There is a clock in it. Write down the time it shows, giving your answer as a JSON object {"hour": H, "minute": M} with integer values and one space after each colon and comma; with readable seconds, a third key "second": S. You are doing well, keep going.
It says {"hour": 9, "minute": 36, "second": 2}
